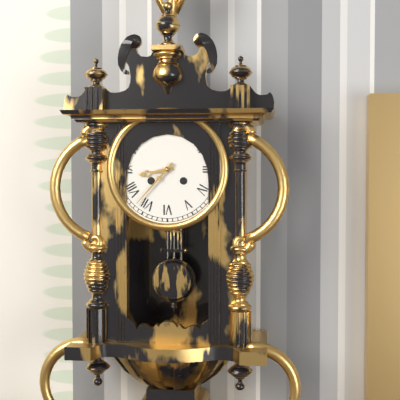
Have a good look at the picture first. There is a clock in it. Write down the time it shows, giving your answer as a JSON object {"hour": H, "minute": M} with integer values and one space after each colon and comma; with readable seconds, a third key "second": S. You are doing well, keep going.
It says {"hour": 8, "minute": 37}
